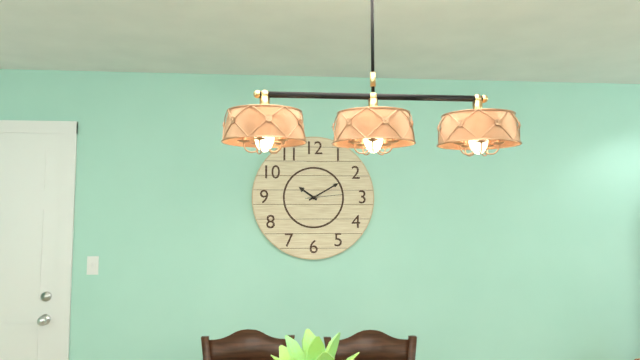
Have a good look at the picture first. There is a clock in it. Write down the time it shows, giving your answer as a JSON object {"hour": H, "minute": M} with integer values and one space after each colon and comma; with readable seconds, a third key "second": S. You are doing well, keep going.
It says {"hour": 10, "minute": 10}
